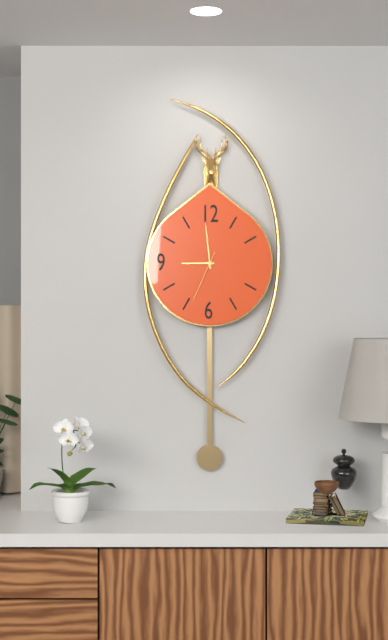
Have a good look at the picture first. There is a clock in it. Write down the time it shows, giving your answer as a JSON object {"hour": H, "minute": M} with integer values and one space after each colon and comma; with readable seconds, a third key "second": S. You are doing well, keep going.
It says {"hour": 8, "minute": 59, "second": 34}
